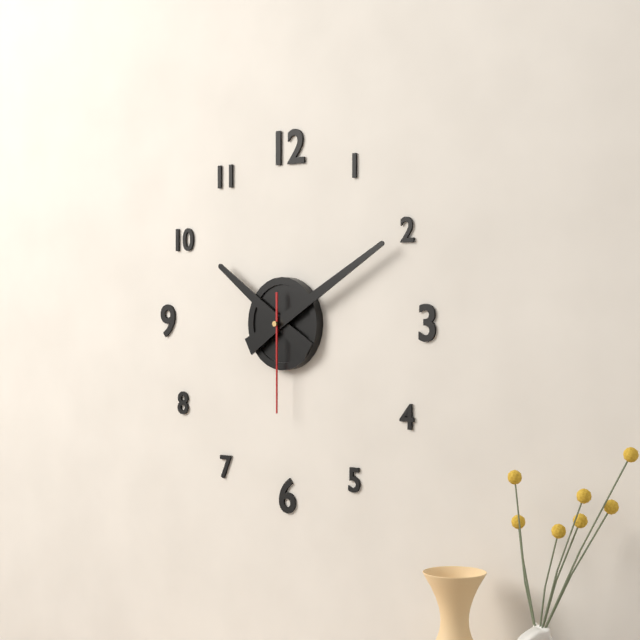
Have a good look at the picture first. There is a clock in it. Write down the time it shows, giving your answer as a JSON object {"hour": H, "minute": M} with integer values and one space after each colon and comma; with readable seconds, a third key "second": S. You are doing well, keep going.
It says {"hour": 10, "minute": 10, "second": 30}
